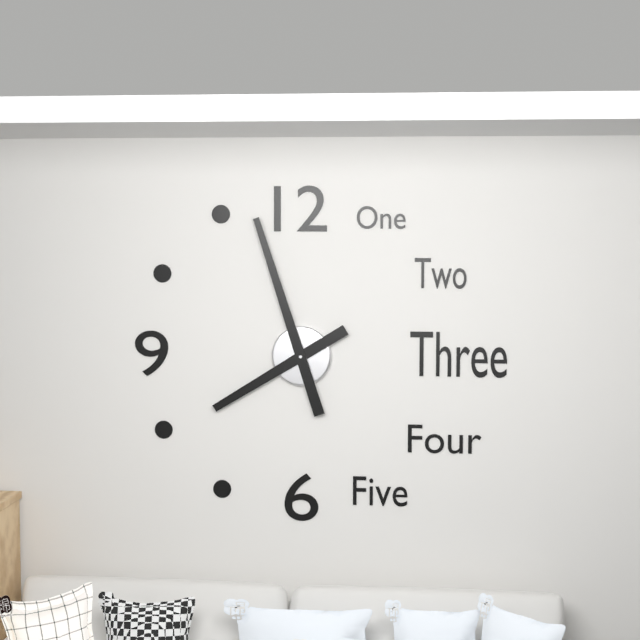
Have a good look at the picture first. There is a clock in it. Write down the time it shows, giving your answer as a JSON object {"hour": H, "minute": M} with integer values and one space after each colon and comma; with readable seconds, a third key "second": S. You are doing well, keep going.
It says {"hour": 7, "minute": 57}
